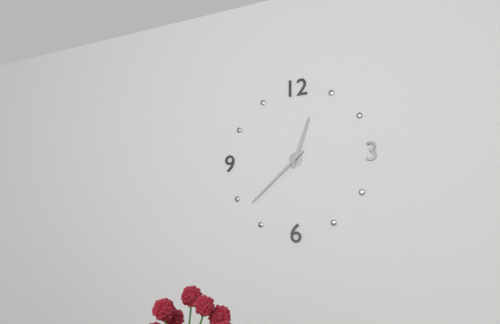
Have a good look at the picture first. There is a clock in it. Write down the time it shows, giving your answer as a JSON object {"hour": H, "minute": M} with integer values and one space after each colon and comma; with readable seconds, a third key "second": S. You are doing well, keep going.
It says {"hour": 12, "minute": 38}
